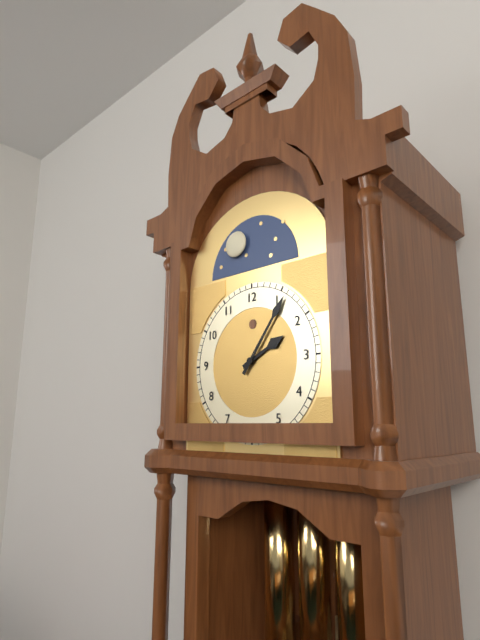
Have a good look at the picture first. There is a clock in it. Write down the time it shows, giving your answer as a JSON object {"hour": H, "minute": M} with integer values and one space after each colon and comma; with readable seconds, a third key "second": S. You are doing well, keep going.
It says {"hour": 2, "minute": 6}
